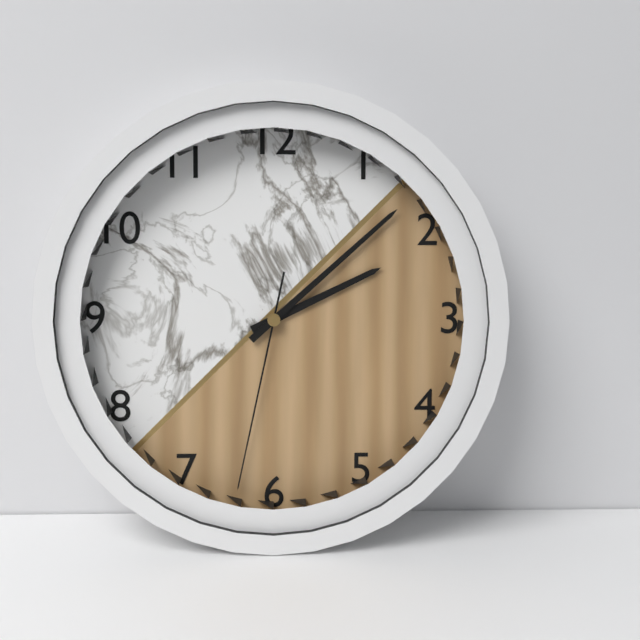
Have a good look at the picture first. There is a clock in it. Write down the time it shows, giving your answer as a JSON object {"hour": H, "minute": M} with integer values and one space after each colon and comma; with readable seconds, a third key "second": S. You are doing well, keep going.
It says {"hour": 2, "minute": 8, "second": 32}
